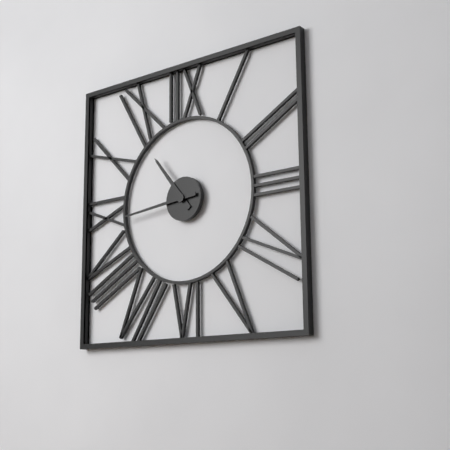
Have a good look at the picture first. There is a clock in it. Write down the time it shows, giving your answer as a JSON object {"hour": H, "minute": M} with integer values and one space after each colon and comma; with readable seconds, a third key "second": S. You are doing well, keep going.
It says {"hour": 10, "minute": 44}
